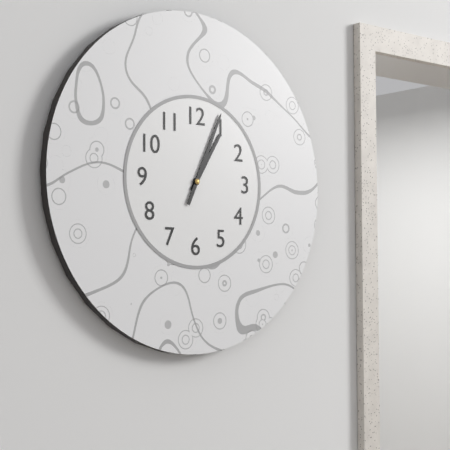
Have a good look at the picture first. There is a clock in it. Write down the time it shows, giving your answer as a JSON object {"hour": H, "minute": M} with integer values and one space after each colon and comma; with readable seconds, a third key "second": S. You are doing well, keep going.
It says {"hour": 1, "minute": 4}
